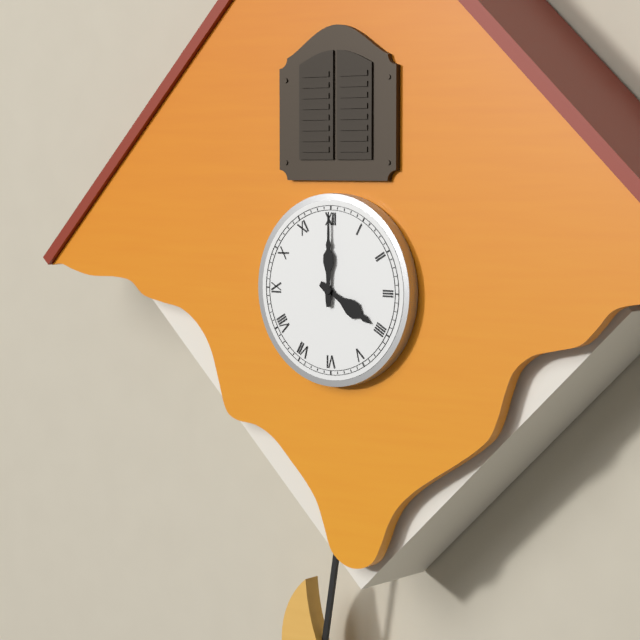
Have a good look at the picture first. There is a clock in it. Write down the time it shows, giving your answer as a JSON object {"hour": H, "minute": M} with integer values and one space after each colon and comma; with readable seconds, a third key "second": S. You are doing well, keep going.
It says {"hour": 4, "minute": 0}
